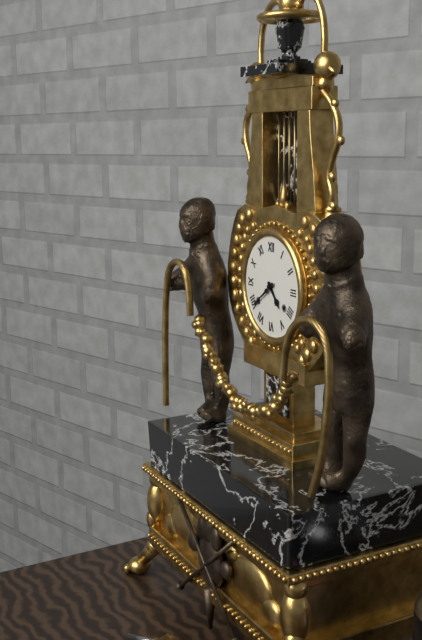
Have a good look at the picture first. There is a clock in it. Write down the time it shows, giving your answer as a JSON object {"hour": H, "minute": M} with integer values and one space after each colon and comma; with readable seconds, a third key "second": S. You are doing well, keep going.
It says {"hour": 4, "minute": 39}
